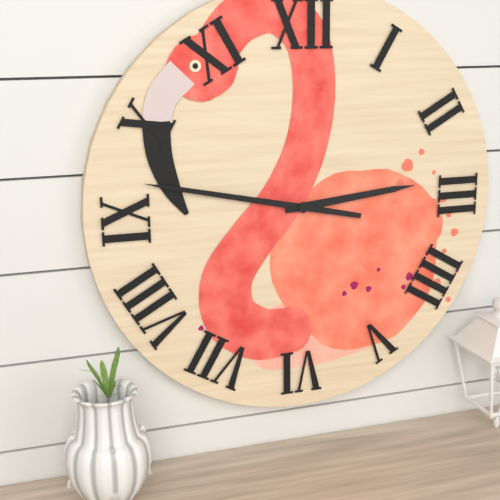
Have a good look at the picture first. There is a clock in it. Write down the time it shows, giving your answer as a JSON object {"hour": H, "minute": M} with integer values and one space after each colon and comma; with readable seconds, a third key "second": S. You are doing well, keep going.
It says {"hour": 2, "minute": 47}
